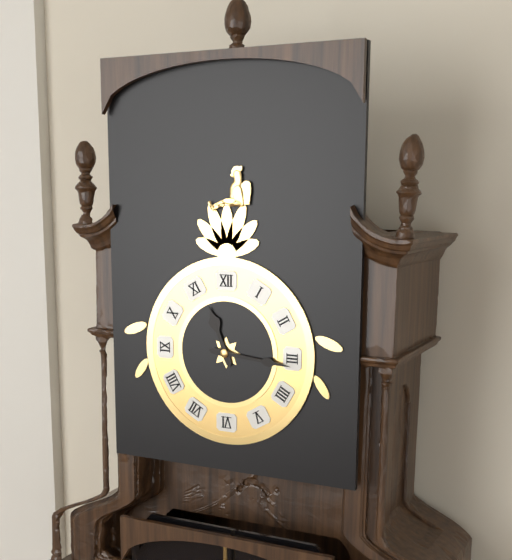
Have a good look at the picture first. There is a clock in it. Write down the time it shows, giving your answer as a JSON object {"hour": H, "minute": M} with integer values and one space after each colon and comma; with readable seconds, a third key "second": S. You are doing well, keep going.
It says {"hour": 11, "minute": 16}
